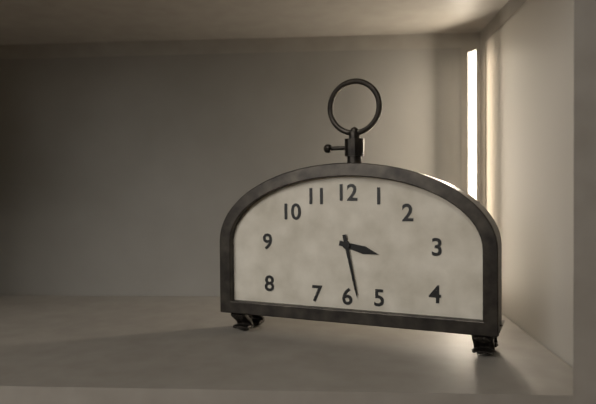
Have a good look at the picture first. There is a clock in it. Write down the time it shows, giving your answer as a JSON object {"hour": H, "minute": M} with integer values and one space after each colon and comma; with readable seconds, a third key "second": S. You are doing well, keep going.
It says {"hour": 3, "minute": 28}
